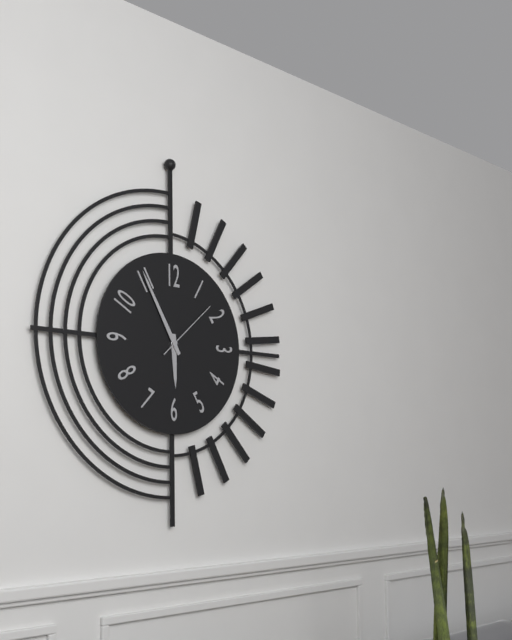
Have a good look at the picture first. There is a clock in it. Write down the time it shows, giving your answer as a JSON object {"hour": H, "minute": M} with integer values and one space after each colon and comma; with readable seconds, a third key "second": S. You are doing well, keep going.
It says {"hour": 5, "minute": 55, "second": 8}
